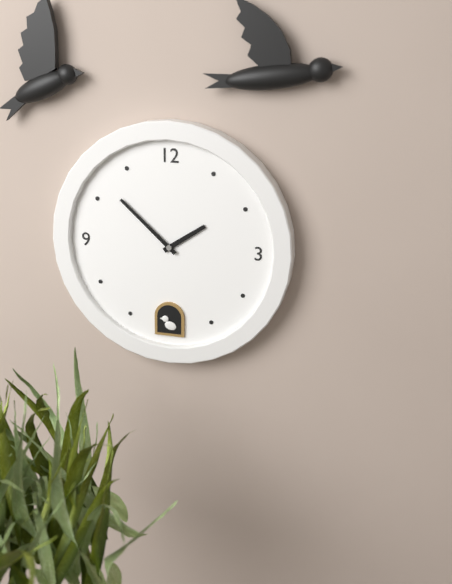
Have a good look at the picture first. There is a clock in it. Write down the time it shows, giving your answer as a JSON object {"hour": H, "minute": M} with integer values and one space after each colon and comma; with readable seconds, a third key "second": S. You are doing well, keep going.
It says {"hour": 1, "minute": 52}
